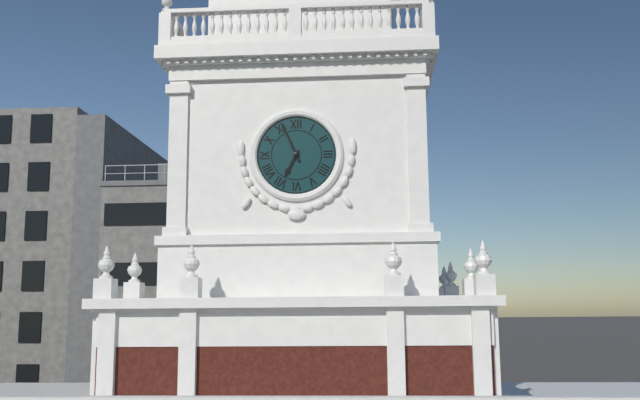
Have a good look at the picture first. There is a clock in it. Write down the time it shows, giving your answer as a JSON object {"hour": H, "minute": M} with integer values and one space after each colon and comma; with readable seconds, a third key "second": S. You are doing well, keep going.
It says {"hour": 6, "minute": 56}
